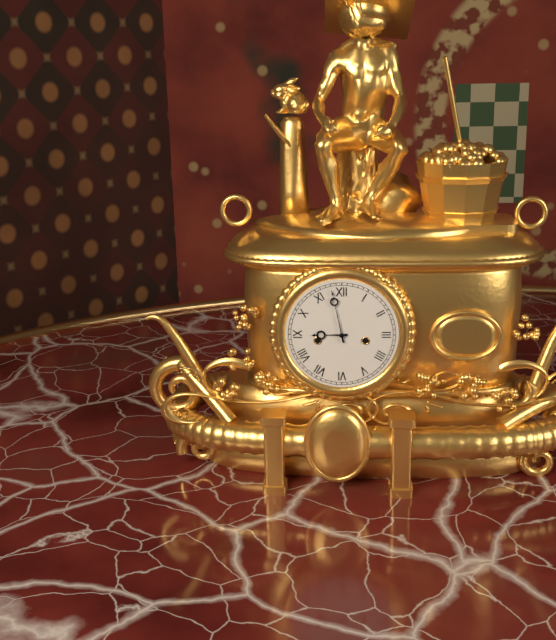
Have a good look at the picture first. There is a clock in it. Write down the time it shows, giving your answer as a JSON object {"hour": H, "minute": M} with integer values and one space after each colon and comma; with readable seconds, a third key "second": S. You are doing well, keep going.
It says {"hour": 8, "minute": 58}
